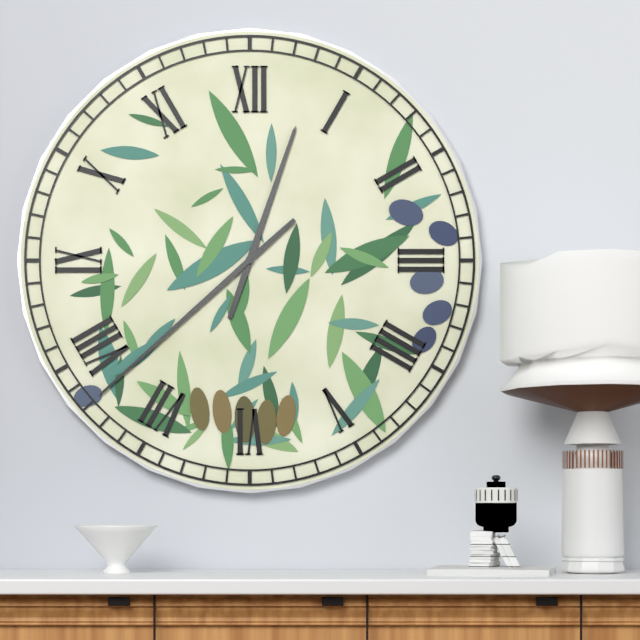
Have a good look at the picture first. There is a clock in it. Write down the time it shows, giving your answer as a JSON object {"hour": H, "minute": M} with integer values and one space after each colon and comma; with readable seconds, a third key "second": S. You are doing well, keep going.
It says {"hour": 12, "minute": 38}
